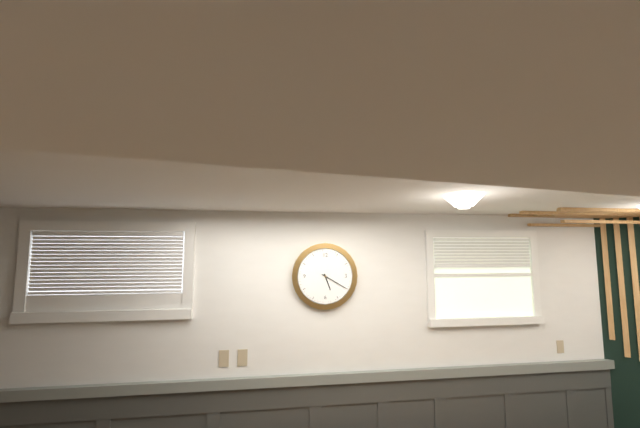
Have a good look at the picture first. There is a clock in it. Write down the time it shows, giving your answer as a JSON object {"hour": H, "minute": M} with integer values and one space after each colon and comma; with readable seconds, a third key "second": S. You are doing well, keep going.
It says {"hour": 5, "minute": 20}
